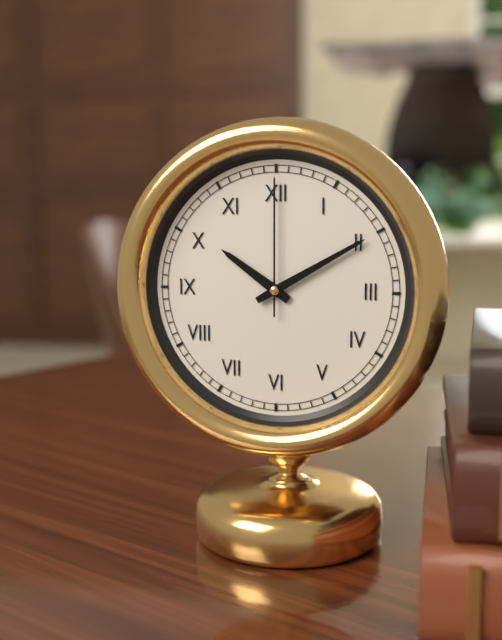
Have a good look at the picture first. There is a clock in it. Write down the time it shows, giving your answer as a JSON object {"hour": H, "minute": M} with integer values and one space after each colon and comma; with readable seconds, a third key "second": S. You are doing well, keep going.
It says {"hour": 10, "minute": 10, "second": 0}
